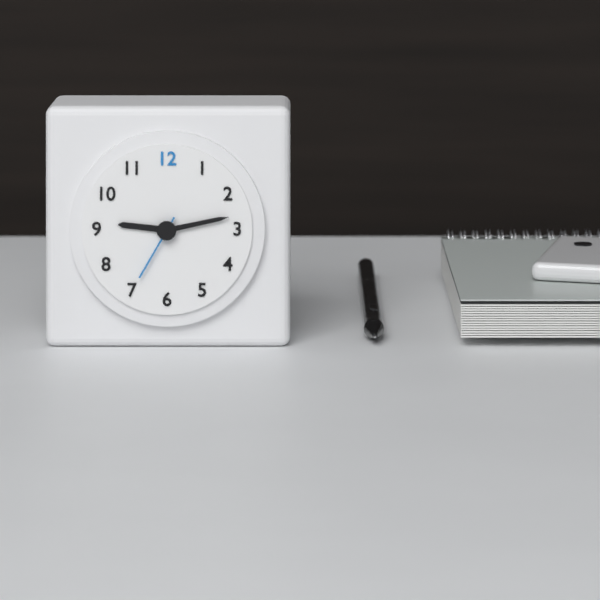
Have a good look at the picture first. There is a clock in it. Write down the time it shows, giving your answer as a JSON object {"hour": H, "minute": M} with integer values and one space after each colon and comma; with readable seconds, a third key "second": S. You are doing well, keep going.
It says {"hour": 9, "minute": 13, "second": 35}
